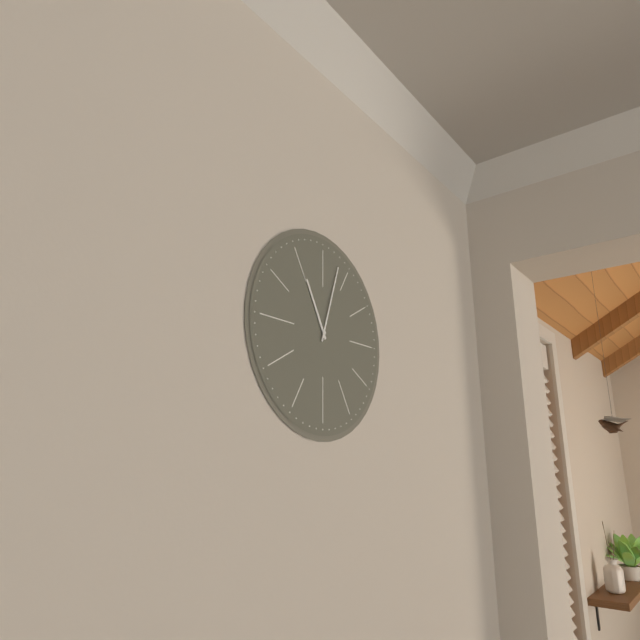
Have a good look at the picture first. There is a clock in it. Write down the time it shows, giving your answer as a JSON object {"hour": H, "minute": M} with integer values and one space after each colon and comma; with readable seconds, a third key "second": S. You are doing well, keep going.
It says {"hour": 11, "minute": 3}
